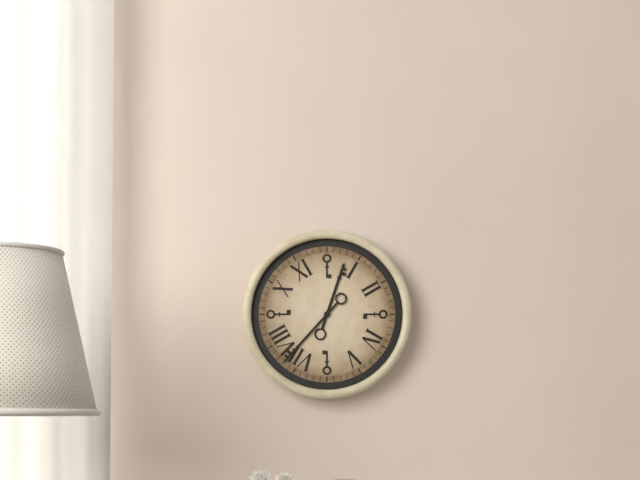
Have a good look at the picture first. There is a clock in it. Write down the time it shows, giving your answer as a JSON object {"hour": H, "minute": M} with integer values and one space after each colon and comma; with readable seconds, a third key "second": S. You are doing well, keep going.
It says {"hour": 12, "minute": 37}
